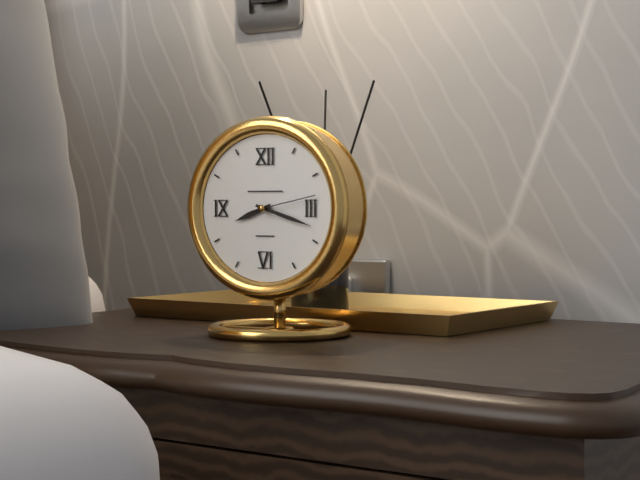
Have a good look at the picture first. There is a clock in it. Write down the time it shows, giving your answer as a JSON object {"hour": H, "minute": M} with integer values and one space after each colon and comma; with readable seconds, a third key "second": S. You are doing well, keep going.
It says {"hour": 8, "minute": 18, "second": 13}
